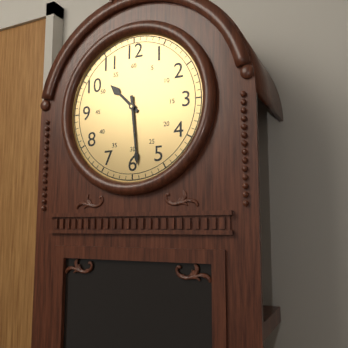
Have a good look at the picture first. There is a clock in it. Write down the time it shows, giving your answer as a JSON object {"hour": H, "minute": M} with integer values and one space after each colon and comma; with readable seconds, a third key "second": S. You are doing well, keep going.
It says {"hour": 10, "minute": 29}
